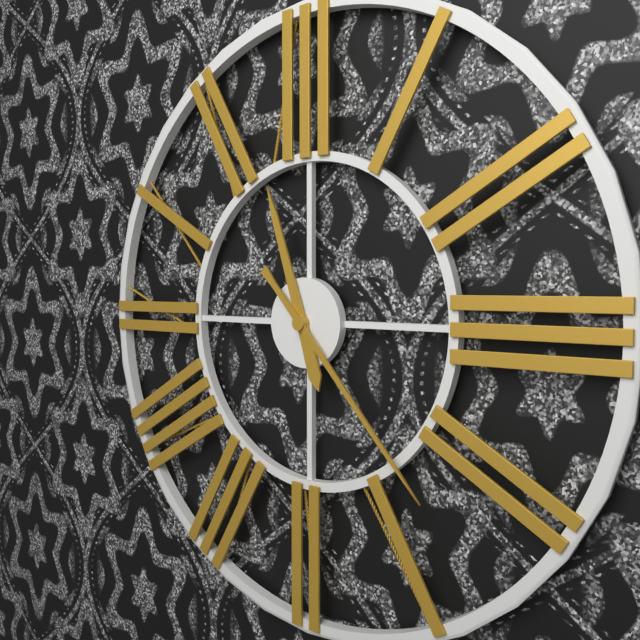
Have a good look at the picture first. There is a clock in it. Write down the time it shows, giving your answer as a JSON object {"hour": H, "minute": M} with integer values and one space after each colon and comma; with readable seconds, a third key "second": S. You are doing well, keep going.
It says {"hour": 11, "minute": 23}
